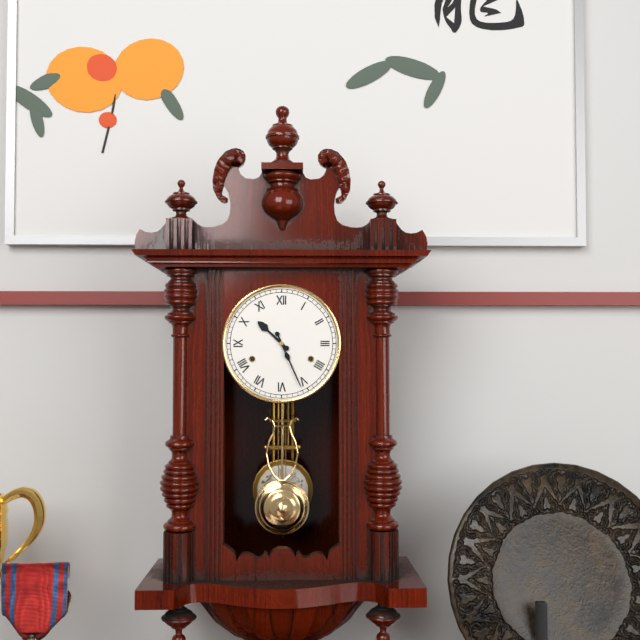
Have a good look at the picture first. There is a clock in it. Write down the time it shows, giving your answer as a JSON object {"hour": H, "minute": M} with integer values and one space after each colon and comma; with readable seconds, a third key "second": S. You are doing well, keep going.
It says {"hour": 10, "minute": 26}
